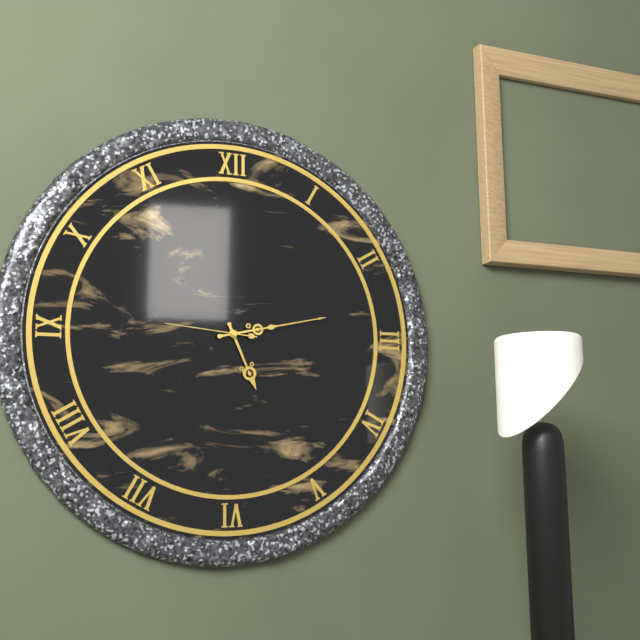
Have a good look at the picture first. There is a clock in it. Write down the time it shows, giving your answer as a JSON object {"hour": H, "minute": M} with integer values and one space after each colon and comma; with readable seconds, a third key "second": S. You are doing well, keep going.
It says {"hour": 5, "minute": 13, "second": 46}
